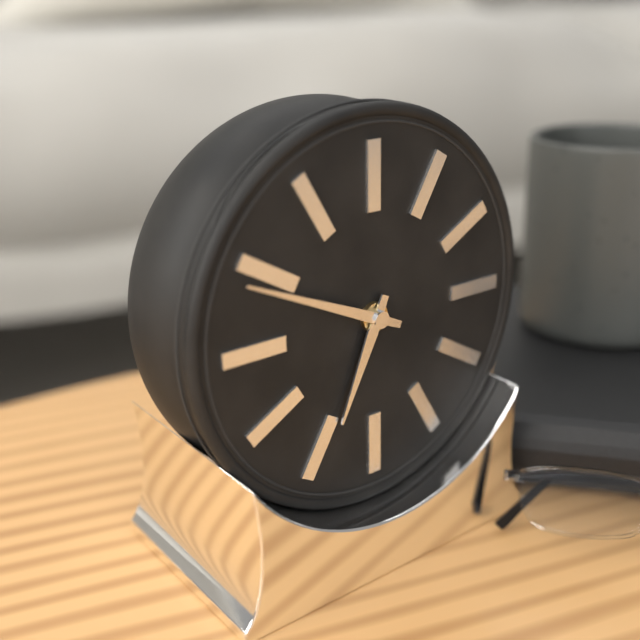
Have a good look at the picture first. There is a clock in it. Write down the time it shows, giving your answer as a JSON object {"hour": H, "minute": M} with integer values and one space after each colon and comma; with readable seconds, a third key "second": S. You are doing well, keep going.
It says {"hour": 6, "minute": 49}
